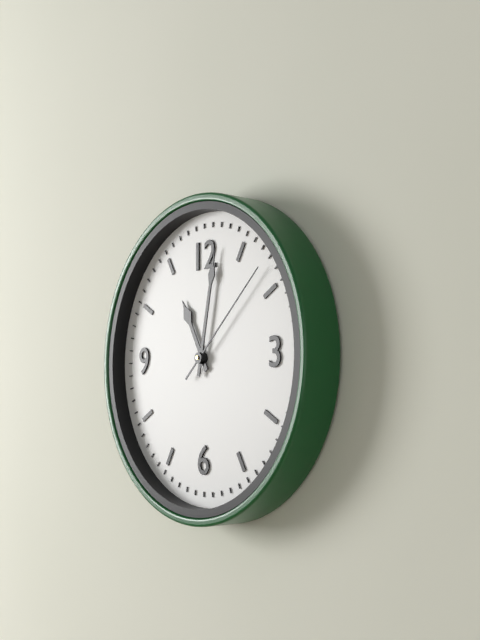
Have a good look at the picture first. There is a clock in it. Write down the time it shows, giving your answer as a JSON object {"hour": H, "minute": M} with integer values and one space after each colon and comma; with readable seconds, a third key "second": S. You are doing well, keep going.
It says {"hour": 11, "minute": 2, "second": 8}
